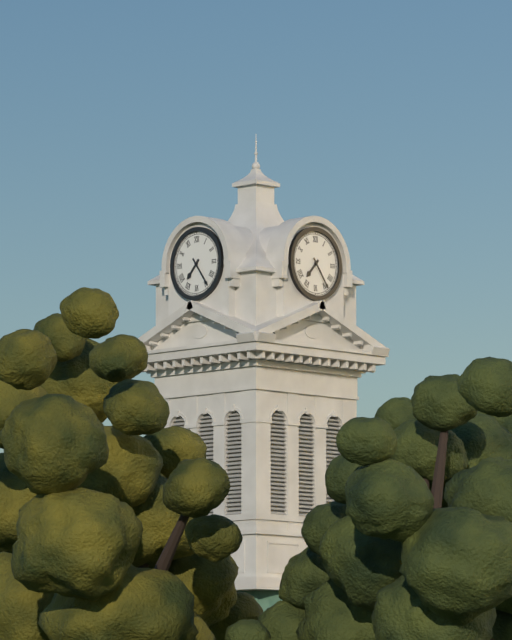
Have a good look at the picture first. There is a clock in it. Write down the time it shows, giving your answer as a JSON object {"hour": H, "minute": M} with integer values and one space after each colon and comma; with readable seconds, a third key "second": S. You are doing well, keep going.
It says {"hour": 7, "minute": 24}
